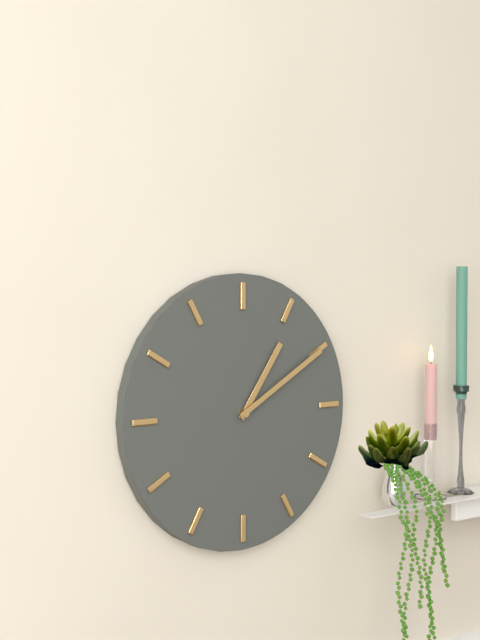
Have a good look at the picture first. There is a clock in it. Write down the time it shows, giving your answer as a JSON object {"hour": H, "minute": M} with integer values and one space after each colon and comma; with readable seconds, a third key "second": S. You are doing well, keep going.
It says {"hour": 1, "minute": 10}
